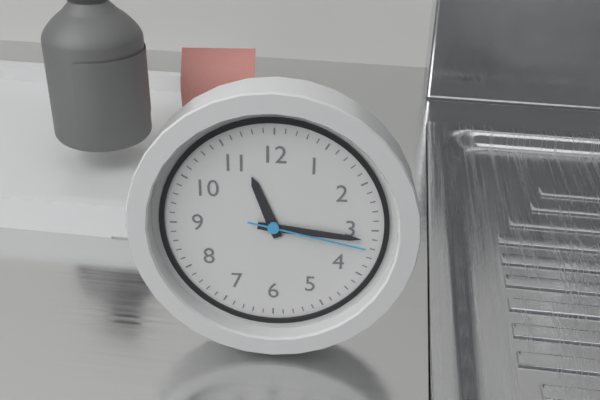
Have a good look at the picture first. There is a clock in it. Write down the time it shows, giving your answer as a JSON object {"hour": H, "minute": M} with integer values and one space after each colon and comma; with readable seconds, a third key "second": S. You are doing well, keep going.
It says {"hour": 11, "minute": 16, "second": 17}
